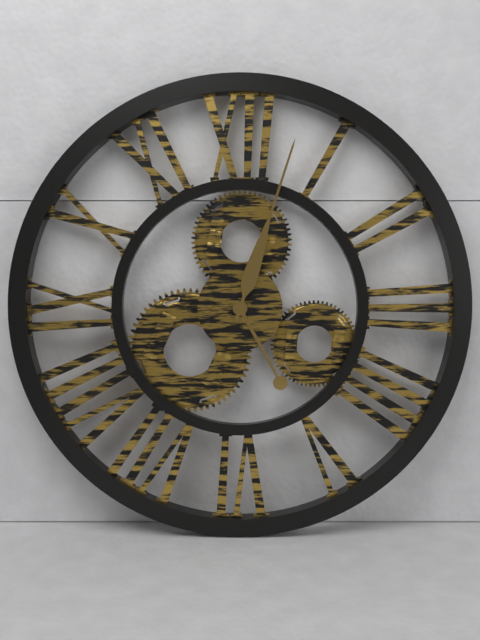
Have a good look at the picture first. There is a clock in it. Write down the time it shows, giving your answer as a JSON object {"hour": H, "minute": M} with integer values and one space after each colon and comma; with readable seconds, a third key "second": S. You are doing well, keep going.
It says {"hour": 5, "minute": 3}
